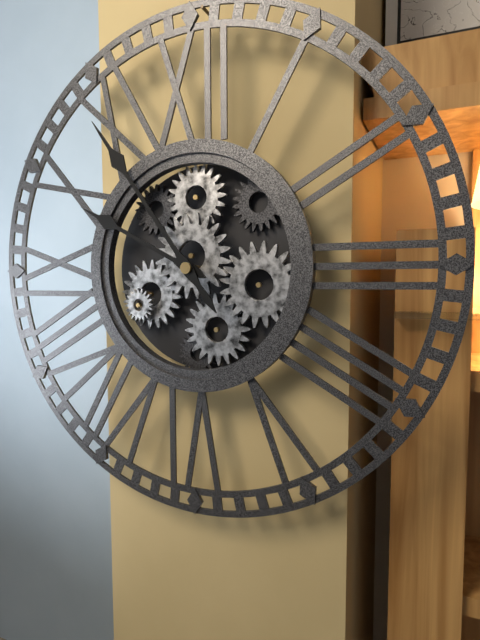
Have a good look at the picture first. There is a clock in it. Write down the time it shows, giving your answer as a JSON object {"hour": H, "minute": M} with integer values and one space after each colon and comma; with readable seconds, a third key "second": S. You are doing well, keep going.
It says {"hour": 9, "minute": 54}
